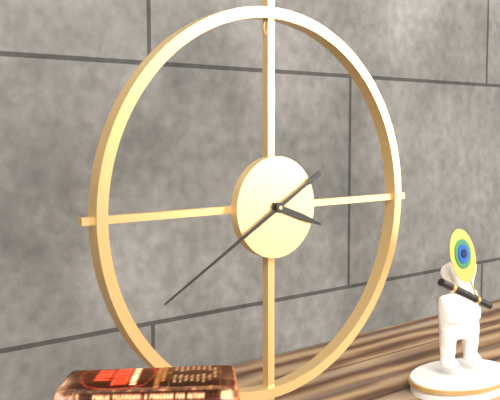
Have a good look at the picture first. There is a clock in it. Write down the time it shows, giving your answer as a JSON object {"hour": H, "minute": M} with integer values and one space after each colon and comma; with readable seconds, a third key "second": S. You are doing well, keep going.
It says {"hour": 3, "minute": 40}
